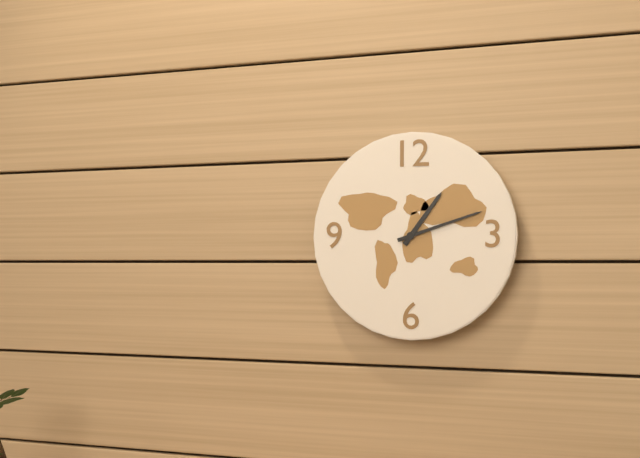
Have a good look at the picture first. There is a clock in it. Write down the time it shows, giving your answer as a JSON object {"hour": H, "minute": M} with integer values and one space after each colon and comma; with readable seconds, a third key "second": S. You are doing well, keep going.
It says {"hour": 1, "minute": 12}
